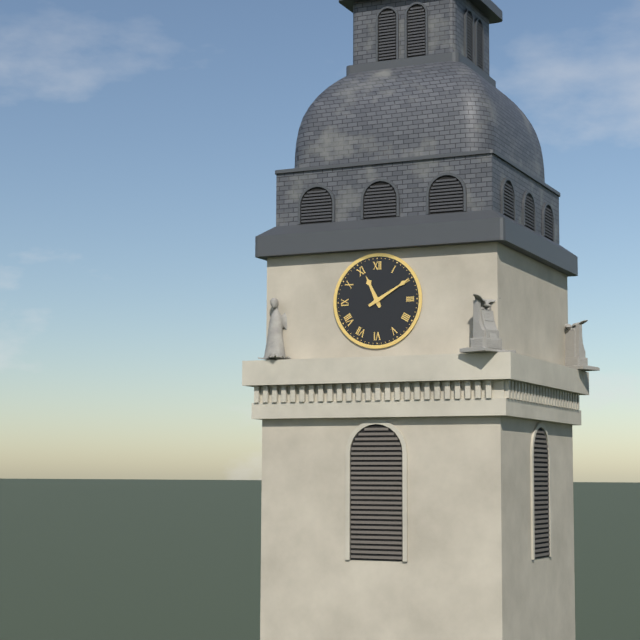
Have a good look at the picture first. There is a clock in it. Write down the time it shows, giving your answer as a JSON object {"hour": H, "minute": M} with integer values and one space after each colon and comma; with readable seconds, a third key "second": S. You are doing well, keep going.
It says {"hour": 11, "minute": 10}
